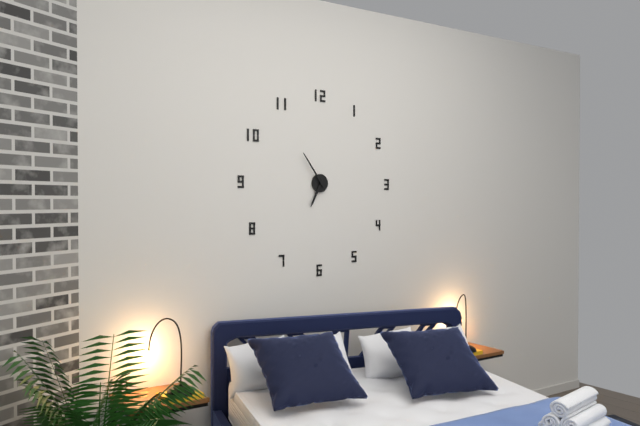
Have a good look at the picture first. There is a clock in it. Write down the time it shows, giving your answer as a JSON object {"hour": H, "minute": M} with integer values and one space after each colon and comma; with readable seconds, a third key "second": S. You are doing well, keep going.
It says {"hour": 6, "minute": 54}
